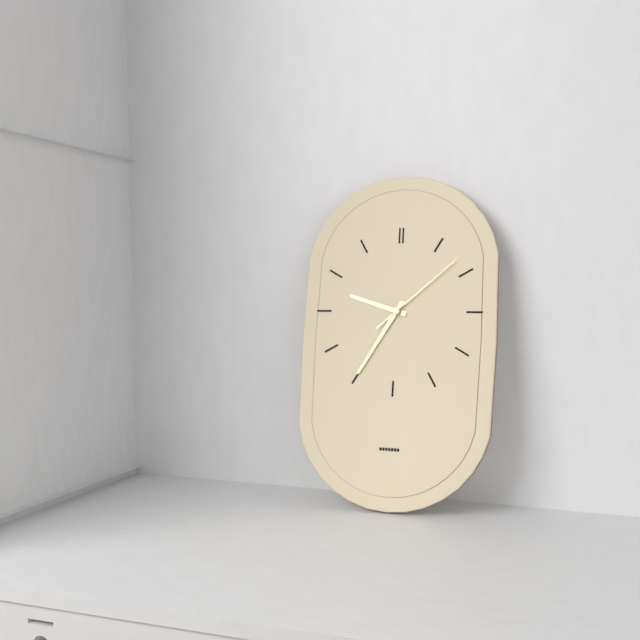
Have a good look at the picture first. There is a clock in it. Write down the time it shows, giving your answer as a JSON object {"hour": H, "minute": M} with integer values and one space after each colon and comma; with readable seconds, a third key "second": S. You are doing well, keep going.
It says {"hour": 9, "minute": 35, "second": 8}
